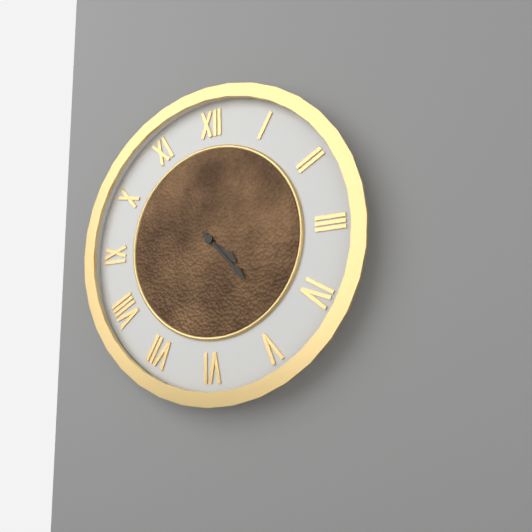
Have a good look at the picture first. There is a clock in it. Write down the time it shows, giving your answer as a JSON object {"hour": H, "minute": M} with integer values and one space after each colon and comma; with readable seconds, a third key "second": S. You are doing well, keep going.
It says {"hour": 4, "minute": 23}
